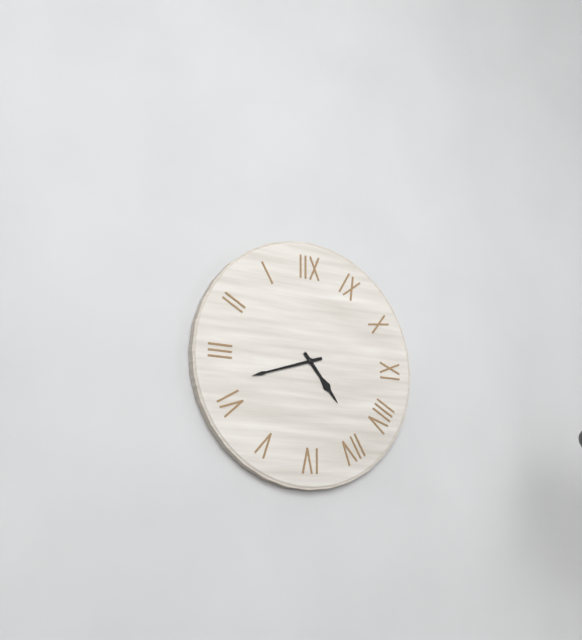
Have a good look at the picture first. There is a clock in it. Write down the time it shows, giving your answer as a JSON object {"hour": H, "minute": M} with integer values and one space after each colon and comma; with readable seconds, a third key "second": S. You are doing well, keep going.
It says {"hour": 4, "minute": 42}
